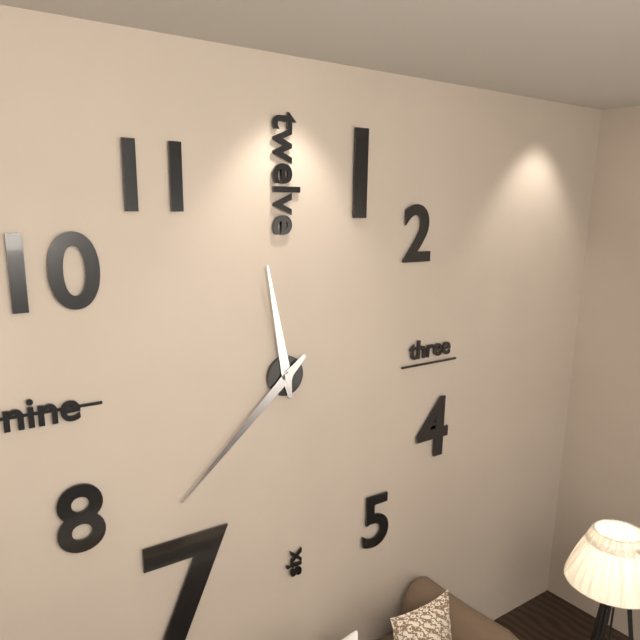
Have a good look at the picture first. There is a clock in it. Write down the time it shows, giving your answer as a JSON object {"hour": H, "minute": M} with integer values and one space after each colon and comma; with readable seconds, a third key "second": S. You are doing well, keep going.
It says {"hour": 11, "minute": 38}
